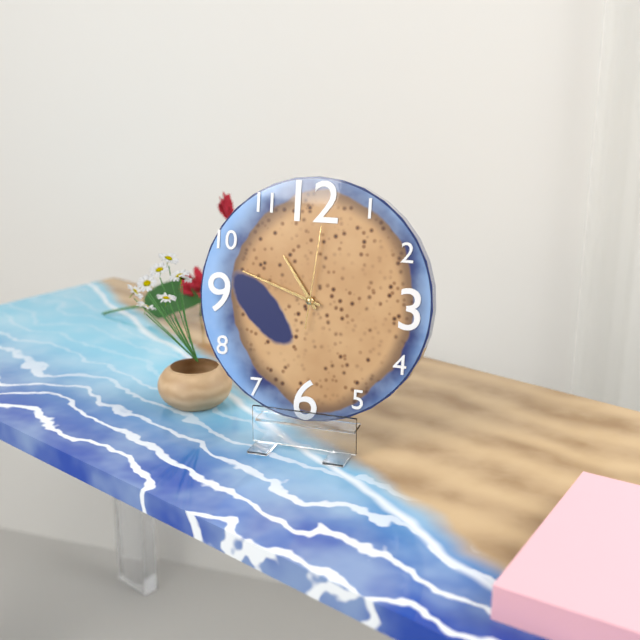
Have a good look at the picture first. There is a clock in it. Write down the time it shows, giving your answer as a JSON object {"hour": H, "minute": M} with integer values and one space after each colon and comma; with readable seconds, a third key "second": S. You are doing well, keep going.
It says {"hour": 10, "minute": 48, "second": 1}
